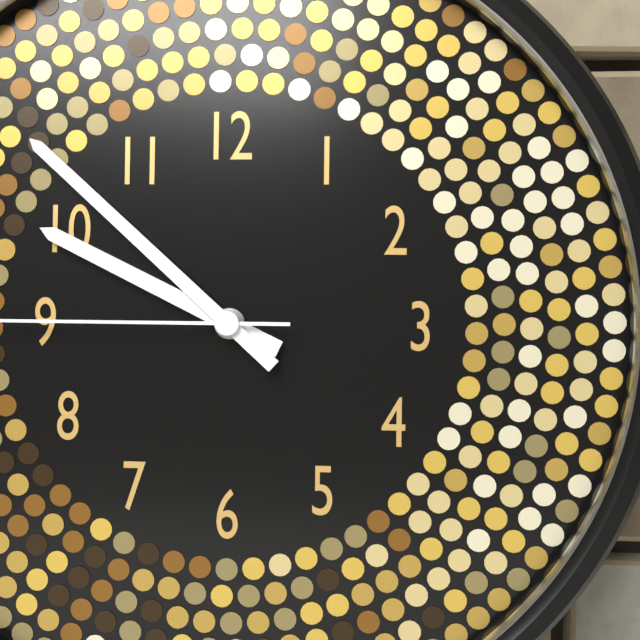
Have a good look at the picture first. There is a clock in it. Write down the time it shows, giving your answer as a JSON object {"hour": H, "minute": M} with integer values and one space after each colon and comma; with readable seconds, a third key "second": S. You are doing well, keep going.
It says {"hour": 9, "minute": 52}
